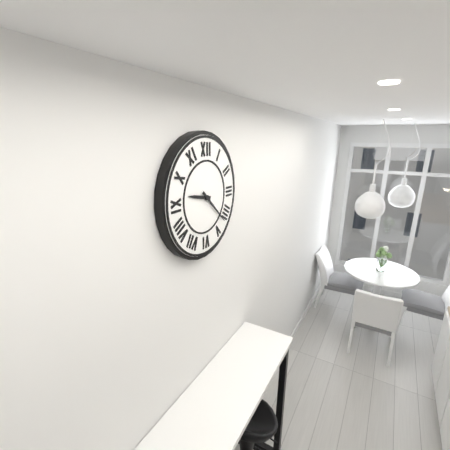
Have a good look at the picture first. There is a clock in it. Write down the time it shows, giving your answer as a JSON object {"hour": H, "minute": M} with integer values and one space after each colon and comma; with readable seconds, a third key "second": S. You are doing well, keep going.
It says {"hour": 9, "minute": 22}
